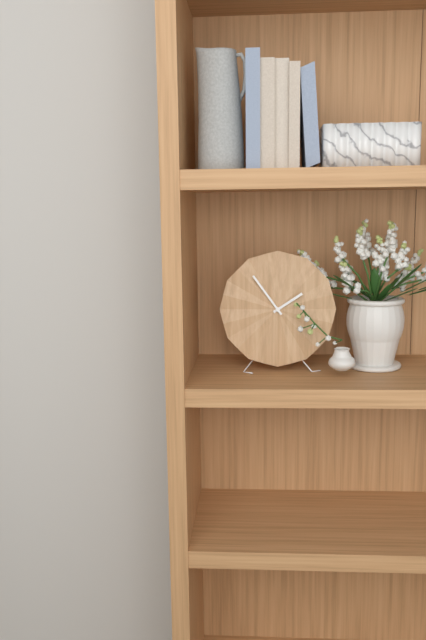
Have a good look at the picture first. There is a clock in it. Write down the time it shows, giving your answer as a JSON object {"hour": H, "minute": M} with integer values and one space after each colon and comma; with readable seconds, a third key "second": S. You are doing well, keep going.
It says {"hour": 1, "minute": 54}
